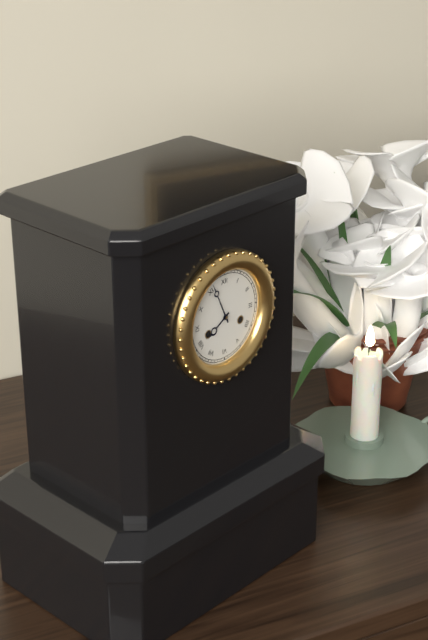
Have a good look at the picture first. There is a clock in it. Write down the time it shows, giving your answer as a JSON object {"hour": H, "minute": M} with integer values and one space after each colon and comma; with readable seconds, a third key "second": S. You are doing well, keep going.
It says {"hour": 7, "minute": 56}
